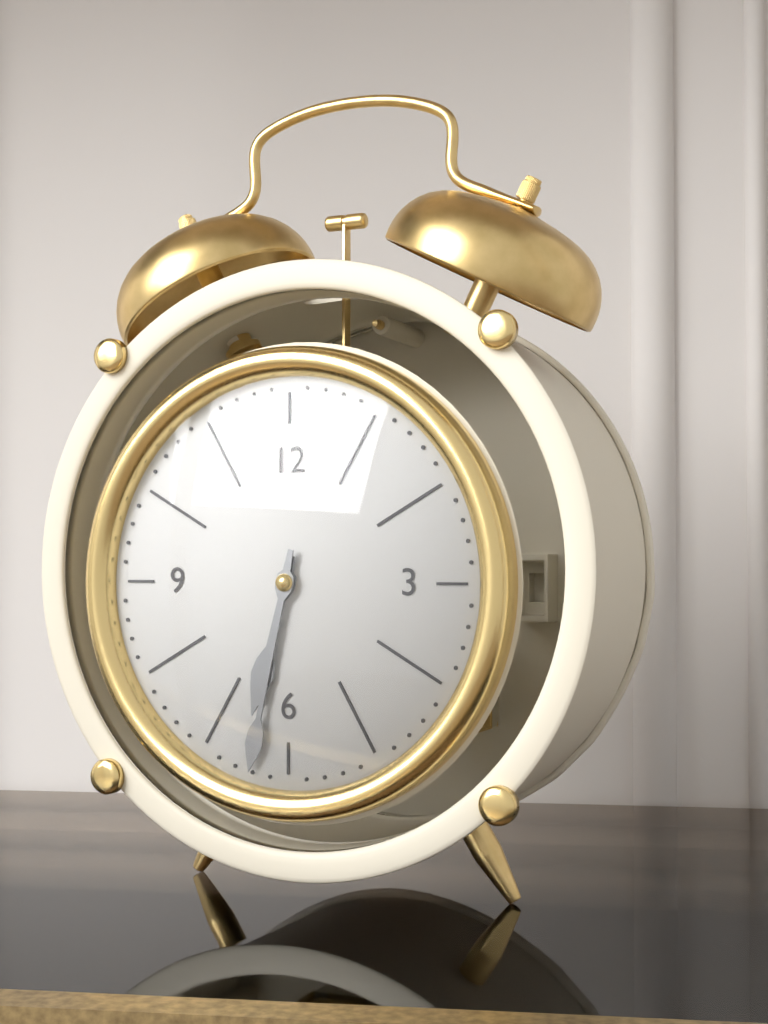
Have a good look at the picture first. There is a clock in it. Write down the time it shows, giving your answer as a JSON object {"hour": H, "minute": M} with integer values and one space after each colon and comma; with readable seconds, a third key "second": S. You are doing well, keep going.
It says {"hour": 6, "minute": 32}
